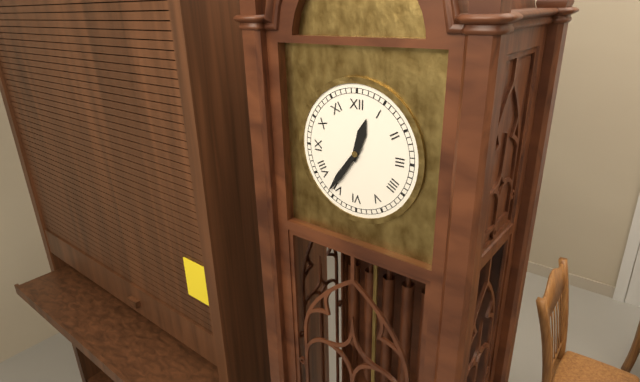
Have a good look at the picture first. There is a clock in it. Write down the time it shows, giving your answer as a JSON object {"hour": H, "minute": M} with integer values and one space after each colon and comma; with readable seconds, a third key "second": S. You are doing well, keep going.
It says {"hour": 12, "minute": 36}
